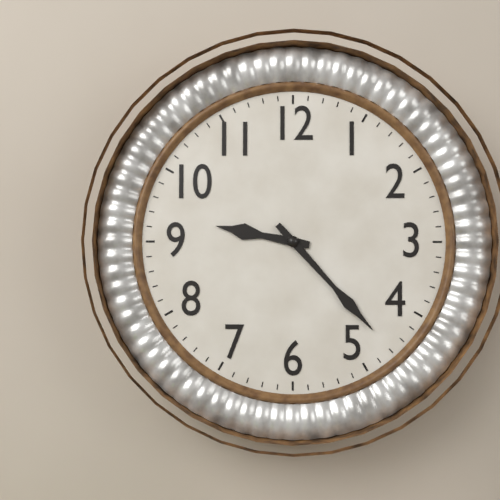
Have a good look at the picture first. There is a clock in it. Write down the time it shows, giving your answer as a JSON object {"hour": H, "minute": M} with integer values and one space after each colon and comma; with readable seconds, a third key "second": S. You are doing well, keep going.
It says {"hour": 9, "minute": 23}
